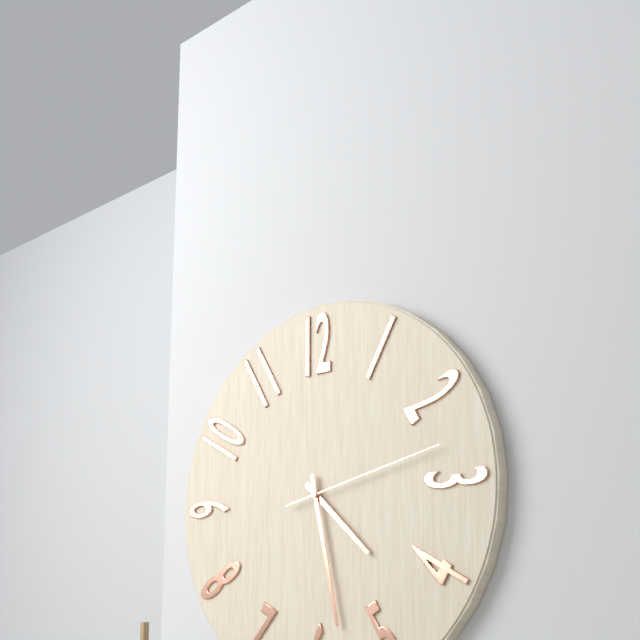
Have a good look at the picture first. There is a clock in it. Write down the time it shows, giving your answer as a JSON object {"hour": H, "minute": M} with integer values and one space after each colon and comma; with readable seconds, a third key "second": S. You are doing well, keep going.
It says {"hour": 4, "minute": 28, "second": 13}
